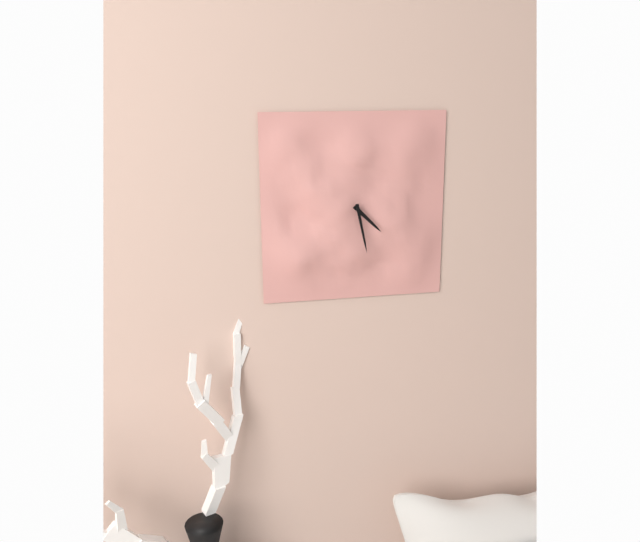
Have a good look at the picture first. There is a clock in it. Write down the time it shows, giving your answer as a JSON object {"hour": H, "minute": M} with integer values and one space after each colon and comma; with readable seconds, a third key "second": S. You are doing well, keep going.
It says {"hour": 4, "minute": 28}
